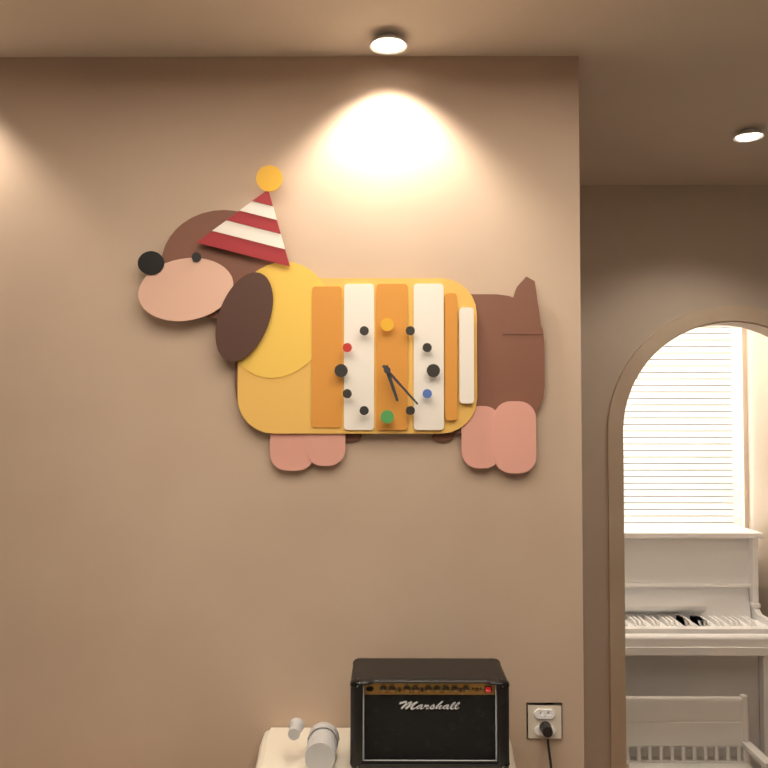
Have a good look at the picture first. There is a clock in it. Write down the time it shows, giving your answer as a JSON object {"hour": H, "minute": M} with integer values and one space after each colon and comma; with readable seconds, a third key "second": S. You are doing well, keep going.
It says {"hour": 5, "minute": 23}
